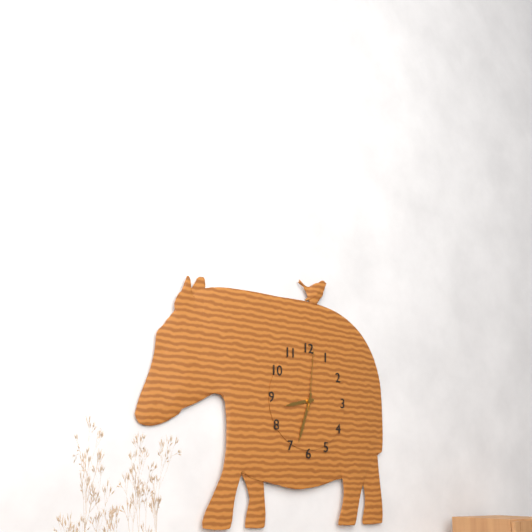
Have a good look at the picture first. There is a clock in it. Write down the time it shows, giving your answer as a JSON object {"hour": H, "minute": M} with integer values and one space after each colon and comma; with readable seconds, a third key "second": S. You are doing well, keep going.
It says {"hour": 8, "minute": 33, "second": 1}
